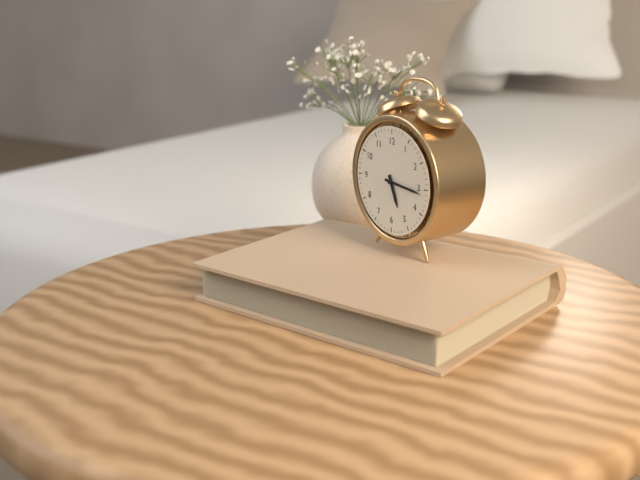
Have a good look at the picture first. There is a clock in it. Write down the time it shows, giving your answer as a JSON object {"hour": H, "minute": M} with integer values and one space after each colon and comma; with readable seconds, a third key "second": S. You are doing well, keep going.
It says {"hour": 5, "minute": 16}
